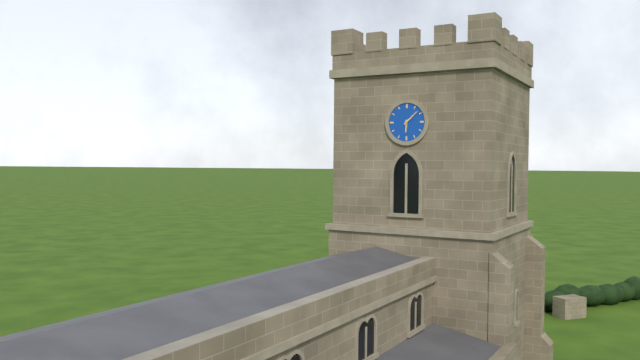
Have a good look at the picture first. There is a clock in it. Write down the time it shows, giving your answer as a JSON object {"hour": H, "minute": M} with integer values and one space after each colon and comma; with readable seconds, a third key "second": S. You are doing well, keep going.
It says {"hour": 6, "minute": 8}
